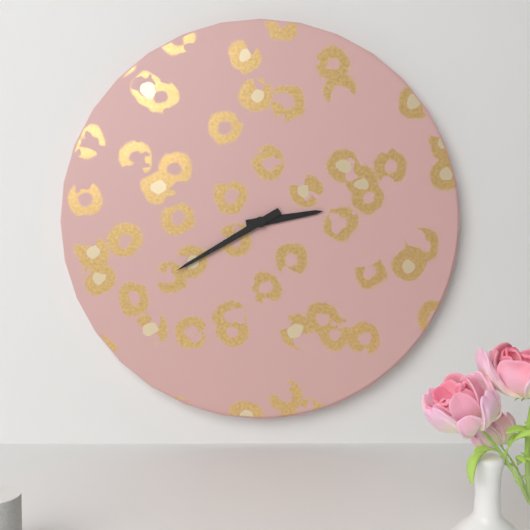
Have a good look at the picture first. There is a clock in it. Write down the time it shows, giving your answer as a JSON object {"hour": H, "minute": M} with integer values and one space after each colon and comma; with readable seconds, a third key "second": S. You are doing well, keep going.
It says {"hour": 2, "minute": 40}
